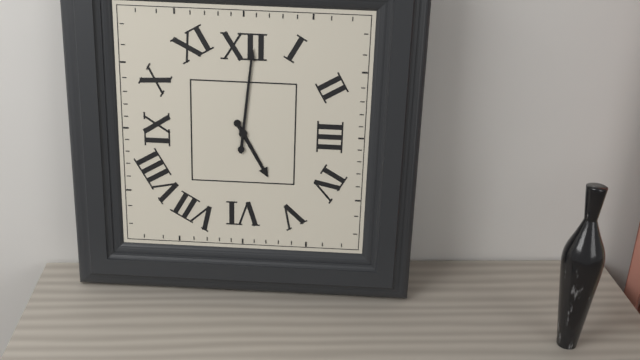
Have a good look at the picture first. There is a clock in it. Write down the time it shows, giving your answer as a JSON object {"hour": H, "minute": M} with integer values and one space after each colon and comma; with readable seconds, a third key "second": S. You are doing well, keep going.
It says {"hour": 5, "minute": 1}
